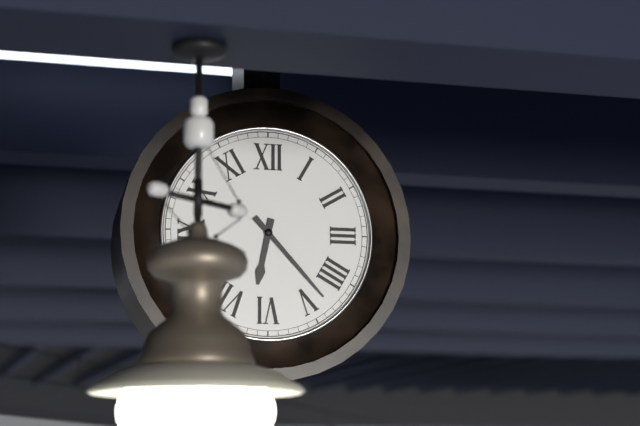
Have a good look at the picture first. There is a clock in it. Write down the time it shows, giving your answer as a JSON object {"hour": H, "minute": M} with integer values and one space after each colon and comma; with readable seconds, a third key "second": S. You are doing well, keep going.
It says {"hour": 6, "minute": 23}
